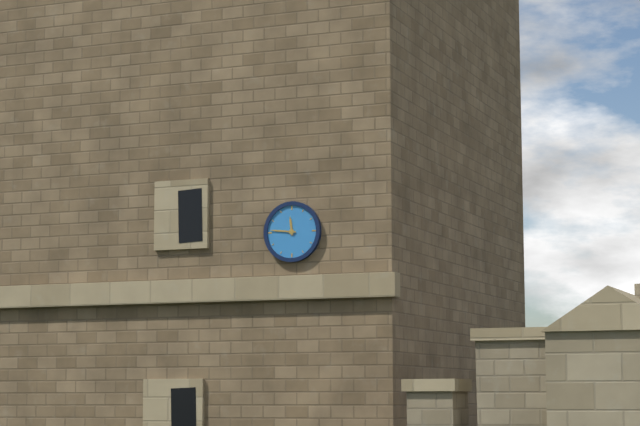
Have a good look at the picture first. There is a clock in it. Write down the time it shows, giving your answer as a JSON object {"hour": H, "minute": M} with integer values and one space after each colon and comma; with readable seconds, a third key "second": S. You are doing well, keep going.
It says {"hour": 11, "minute": 46}
